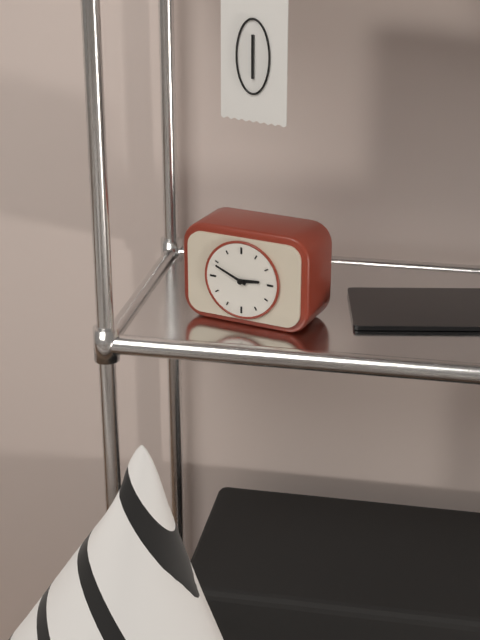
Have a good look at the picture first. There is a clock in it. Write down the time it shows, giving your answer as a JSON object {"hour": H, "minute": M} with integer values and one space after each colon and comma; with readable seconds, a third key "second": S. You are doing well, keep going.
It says {"hour": 2, "minute": 49}
